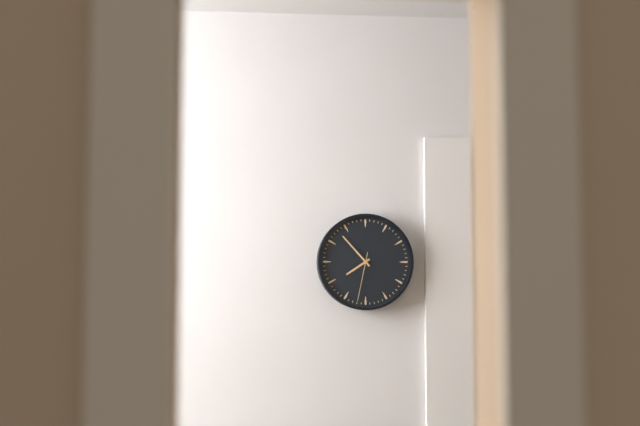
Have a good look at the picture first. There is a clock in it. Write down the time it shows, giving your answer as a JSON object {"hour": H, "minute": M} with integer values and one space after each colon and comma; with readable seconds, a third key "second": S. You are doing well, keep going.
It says {"hour": 7, "minute": 53}
